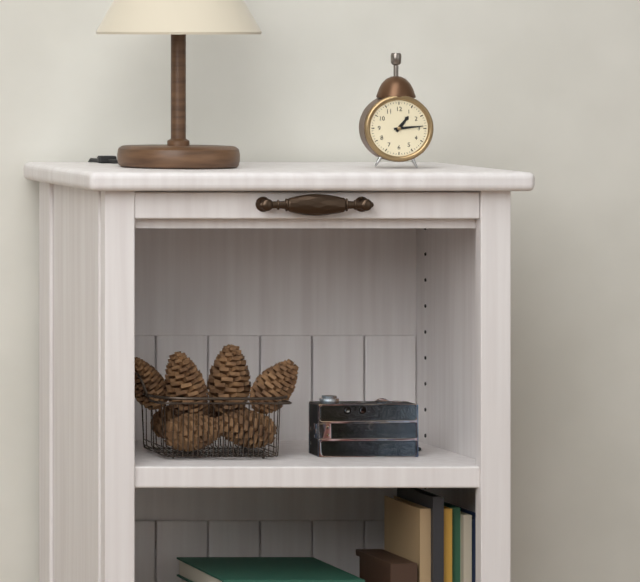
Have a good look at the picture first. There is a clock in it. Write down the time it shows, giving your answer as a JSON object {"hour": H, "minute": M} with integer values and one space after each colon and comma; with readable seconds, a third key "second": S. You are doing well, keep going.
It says {"hour": 1, "minute": 14}
